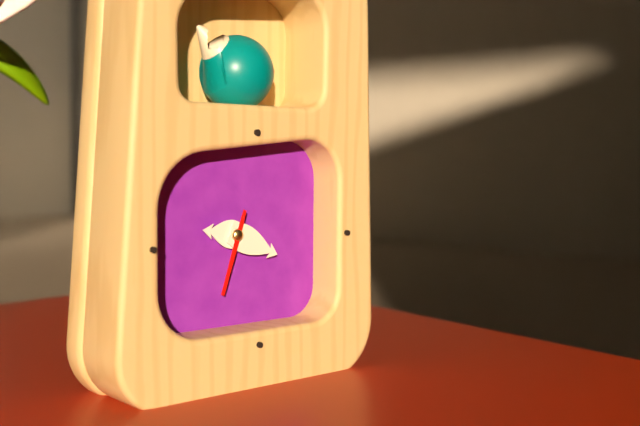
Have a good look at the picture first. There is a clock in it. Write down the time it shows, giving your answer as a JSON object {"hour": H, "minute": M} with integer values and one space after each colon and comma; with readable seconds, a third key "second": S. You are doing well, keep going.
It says {"hour": 9, "minute": 19, "second": 33}
